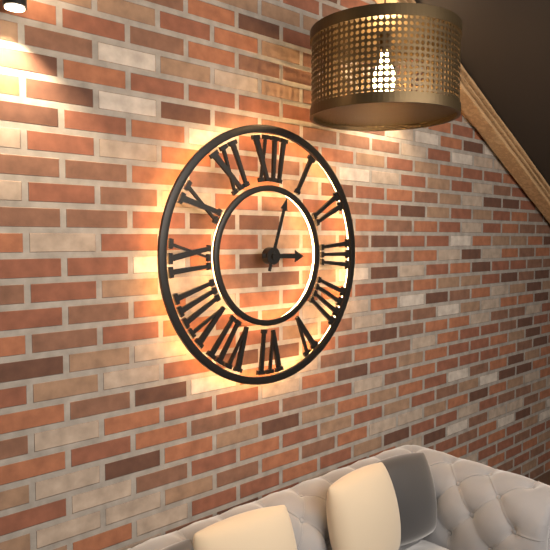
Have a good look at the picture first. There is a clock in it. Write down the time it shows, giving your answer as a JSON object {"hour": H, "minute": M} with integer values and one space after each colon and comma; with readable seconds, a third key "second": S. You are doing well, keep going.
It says {"hour": 3, "minute": 3}
